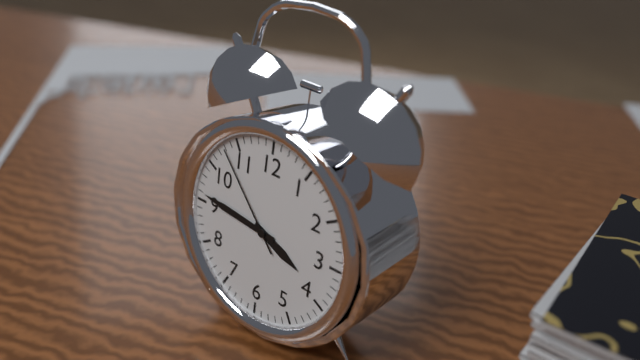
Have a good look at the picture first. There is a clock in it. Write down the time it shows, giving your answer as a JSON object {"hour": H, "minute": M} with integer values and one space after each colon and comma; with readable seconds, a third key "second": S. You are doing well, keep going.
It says {"hour": 3, "minute": 46, "second": 53}
